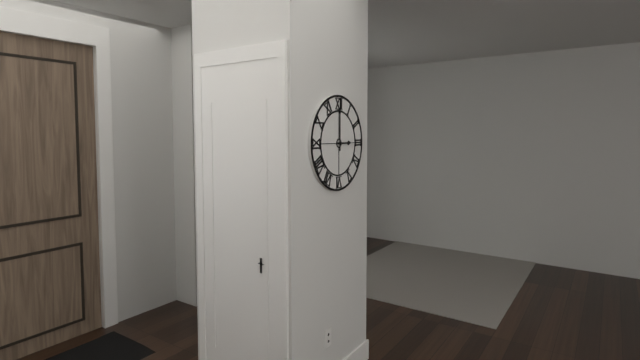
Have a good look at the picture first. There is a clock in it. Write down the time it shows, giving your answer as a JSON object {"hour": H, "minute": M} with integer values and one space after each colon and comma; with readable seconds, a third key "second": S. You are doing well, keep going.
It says {"hour": 3, "minute": 0}
